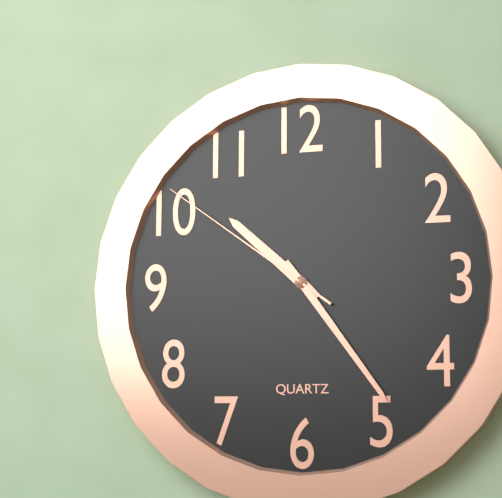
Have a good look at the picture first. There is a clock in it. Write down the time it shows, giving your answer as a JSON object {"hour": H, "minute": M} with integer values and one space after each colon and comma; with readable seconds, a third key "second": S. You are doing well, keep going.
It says {"hour": 10, "minute": 24, "second": 51}
